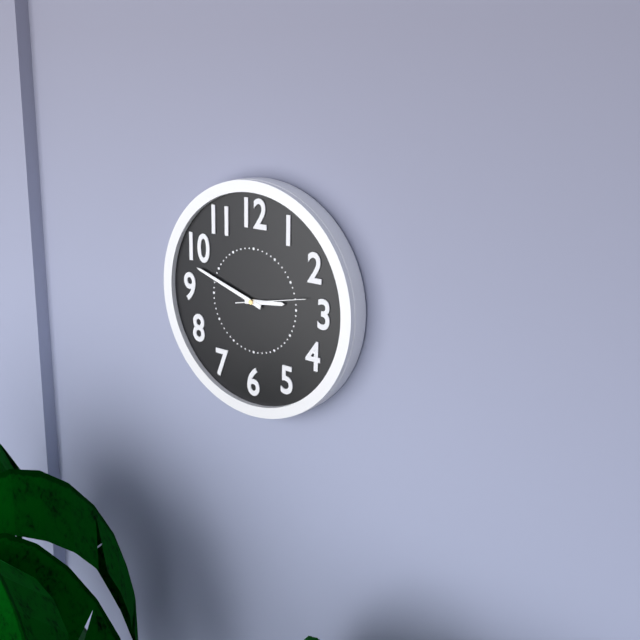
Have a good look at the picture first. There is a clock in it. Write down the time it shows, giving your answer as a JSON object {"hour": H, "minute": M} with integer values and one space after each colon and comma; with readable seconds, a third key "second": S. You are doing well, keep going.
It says {"hour": 2, "minute": 48, "second": 13}
